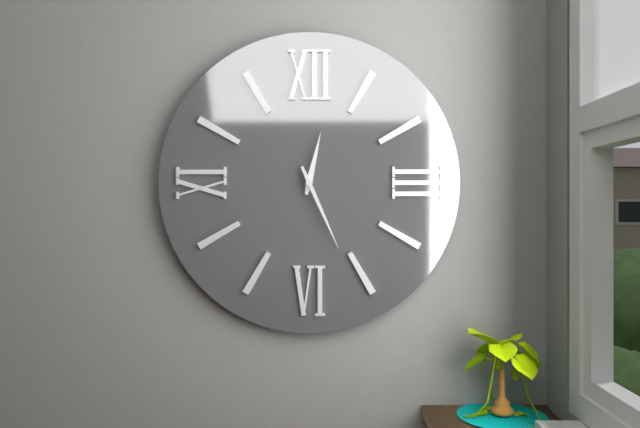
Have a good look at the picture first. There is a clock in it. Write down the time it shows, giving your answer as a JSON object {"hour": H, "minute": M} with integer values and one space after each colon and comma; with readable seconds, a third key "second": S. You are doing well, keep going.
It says {"hour": 12, "minute": 26}
